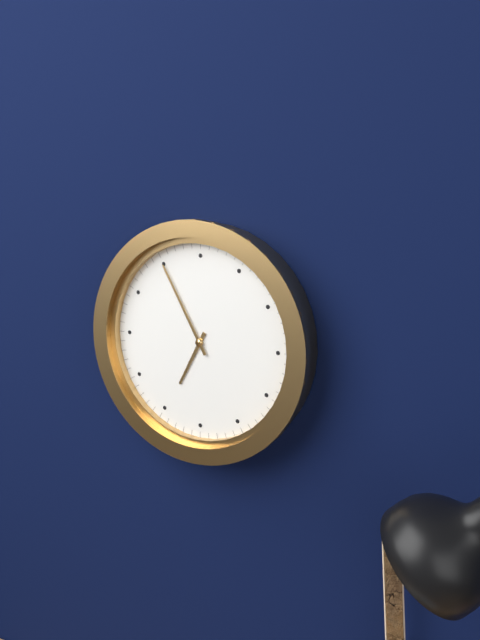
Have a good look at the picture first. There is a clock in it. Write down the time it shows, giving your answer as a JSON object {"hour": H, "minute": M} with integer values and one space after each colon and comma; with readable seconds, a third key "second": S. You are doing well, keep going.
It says {"hour": 6, "minute": 55}
